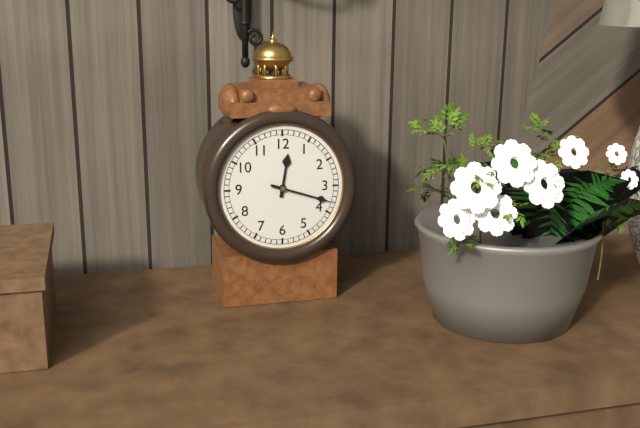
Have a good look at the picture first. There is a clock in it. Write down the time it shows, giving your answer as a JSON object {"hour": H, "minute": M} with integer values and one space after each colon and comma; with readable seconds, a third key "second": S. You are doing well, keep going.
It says {"hour": 12, "minute": 18}
